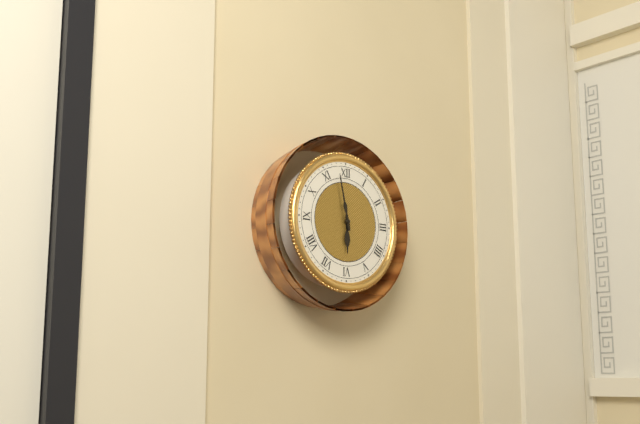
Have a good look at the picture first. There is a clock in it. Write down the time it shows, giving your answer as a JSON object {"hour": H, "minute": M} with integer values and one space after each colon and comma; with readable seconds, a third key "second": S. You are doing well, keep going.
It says {"hour": 5, "minute": 58}
